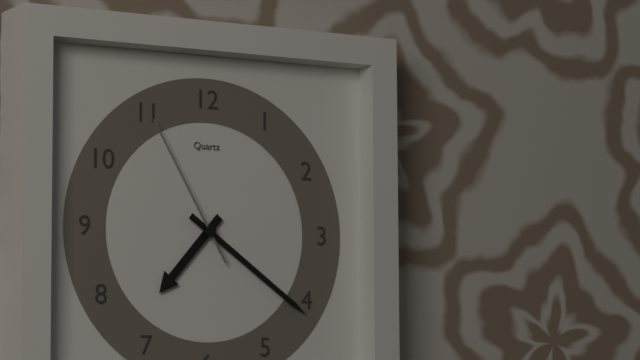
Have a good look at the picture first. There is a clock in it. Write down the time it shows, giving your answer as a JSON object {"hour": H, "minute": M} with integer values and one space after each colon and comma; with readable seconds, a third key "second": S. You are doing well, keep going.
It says {"hour": 7, "minute": 21, "second": 55}
